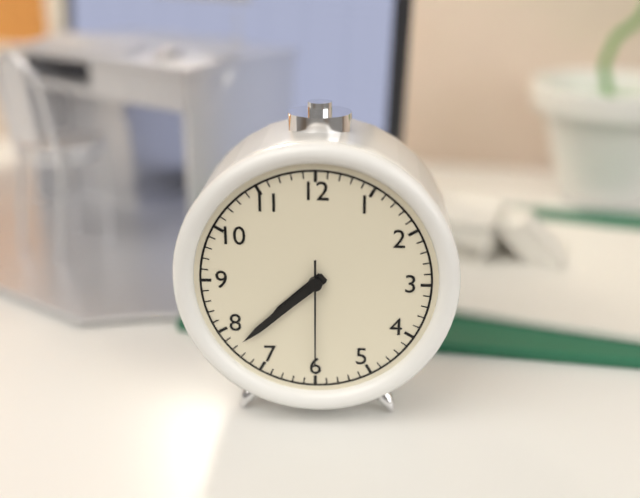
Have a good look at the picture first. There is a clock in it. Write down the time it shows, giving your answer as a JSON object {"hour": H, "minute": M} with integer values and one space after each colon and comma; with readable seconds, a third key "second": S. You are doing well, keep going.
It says {"hour": 7, "minute": 38, "second": 30}
